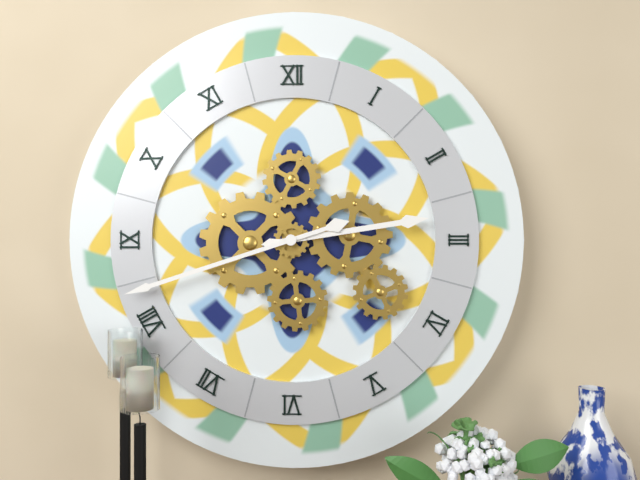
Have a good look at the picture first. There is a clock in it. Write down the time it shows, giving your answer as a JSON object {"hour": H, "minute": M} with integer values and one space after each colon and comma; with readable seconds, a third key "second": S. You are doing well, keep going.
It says {"hour": 2, "minute": 42}
